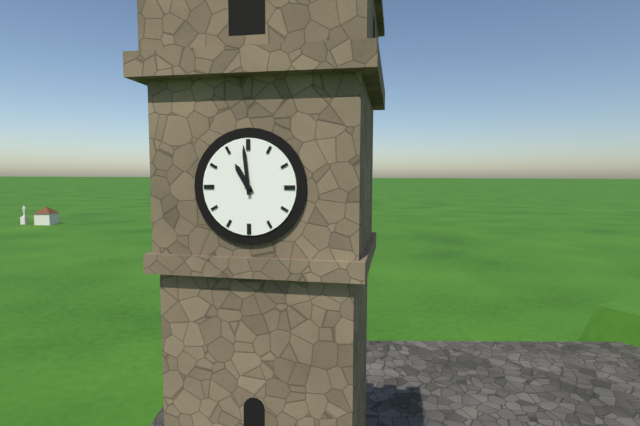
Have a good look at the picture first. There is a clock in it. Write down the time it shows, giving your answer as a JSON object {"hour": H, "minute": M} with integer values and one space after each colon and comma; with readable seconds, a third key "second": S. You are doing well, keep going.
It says {"hour": 10, "minute": 59}
